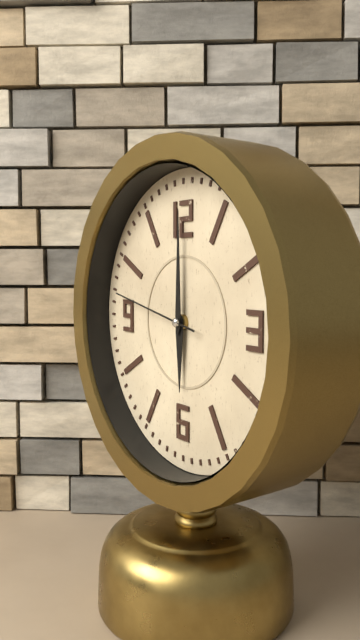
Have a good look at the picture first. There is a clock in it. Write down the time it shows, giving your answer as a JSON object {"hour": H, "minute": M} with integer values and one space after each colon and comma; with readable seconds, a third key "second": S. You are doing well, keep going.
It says {"hour": 6, "minute": 0, "second": 47}
